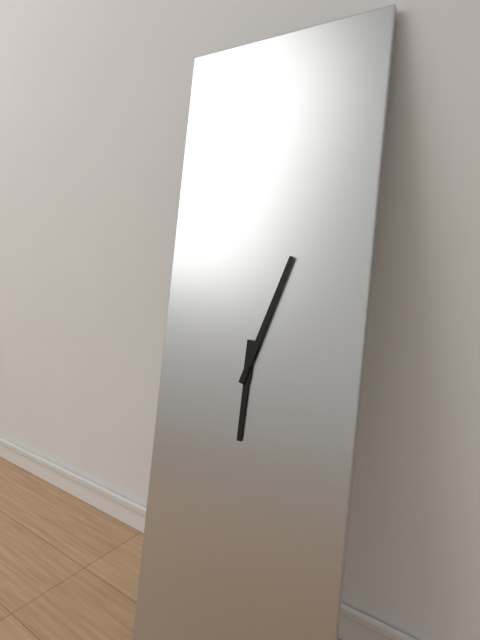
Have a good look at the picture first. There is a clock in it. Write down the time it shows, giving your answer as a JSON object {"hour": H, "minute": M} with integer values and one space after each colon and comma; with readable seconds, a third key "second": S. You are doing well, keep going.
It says {"hour": 6, "minute": 3}
